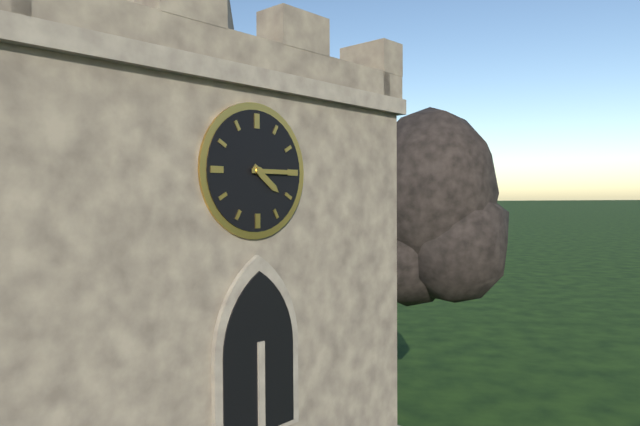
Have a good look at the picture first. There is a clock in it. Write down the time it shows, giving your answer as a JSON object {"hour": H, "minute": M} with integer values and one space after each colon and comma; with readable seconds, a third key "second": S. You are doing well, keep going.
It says {"hour": 4, "minute": 15}
